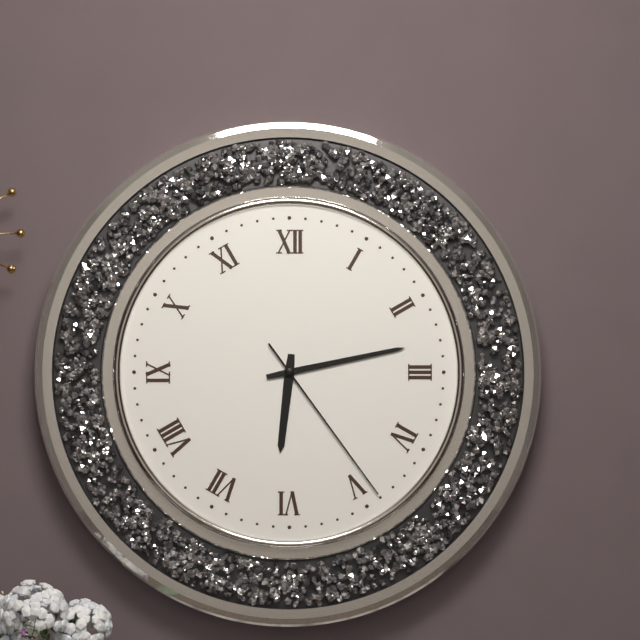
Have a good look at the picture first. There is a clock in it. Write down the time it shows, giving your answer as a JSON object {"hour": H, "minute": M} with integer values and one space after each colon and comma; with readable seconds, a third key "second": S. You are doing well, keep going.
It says {"hour": 6, "minute": 13, "second": 24}
